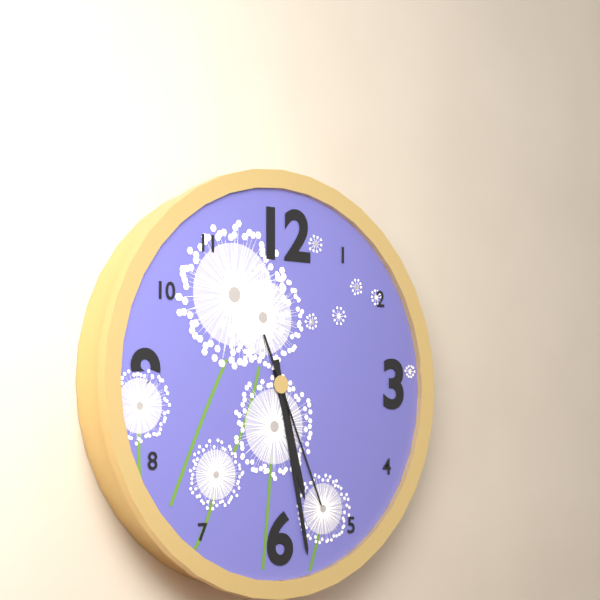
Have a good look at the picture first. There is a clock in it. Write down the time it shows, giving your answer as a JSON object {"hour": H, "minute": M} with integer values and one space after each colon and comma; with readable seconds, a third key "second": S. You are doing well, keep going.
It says {"hour": 5, "minute": 28, "second": 26}
